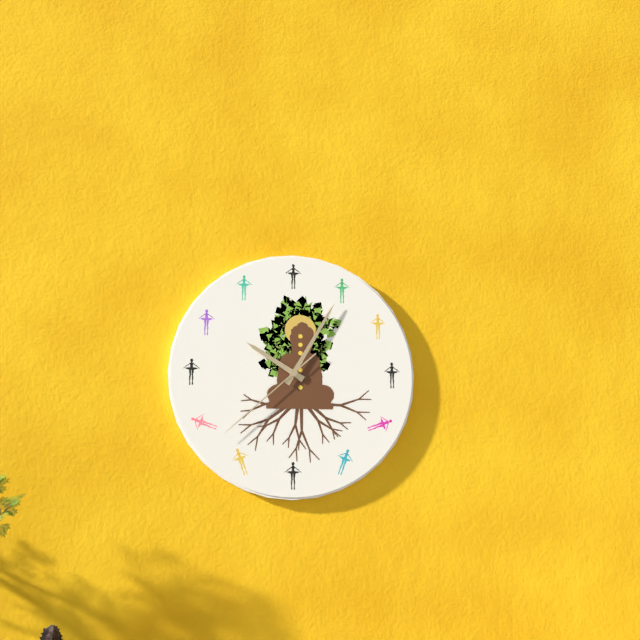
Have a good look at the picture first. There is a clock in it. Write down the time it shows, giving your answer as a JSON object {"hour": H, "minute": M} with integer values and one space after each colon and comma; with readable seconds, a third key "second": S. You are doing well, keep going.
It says {"hour": 10, "minute": 5, "second": 38}
